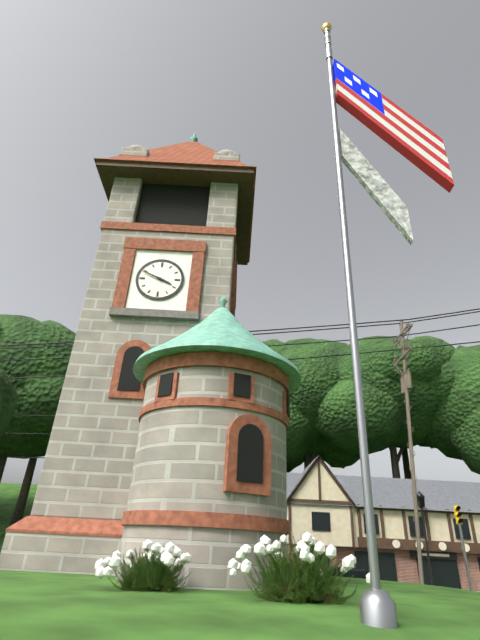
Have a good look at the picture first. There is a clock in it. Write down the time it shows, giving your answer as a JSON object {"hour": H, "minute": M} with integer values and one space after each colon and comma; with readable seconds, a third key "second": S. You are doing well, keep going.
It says {"hour": 3, "minute": 49}
